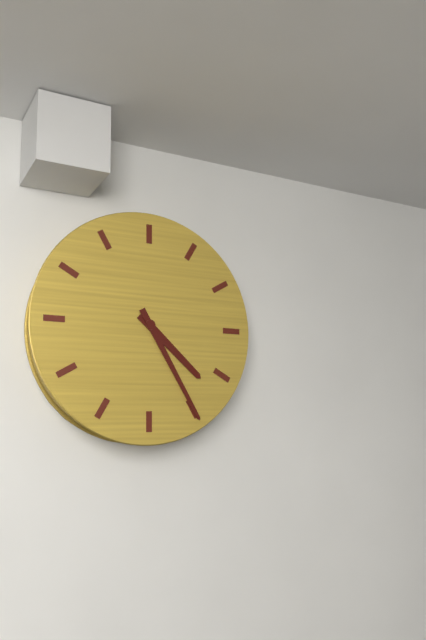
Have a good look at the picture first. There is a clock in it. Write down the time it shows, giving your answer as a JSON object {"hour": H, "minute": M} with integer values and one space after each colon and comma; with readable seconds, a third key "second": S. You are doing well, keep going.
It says {"hour": 4, "minute": 25}
